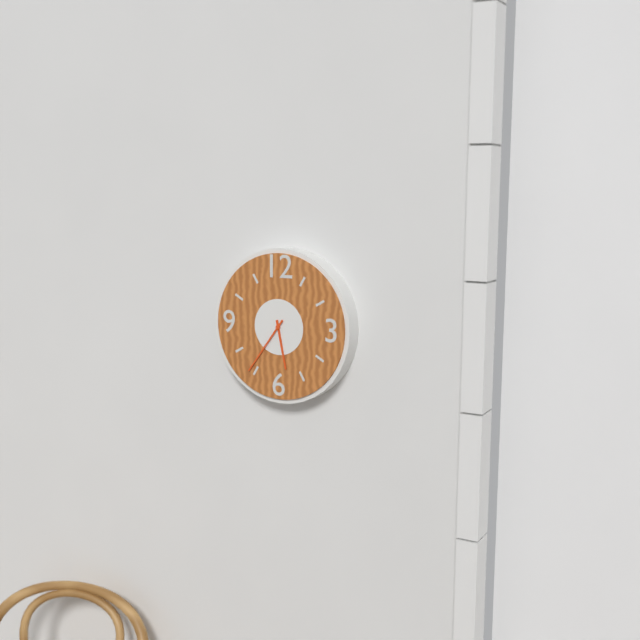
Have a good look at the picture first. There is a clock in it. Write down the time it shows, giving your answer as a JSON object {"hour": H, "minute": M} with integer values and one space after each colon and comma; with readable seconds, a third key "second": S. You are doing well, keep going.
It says {"hour": 5, "minute": 36}
